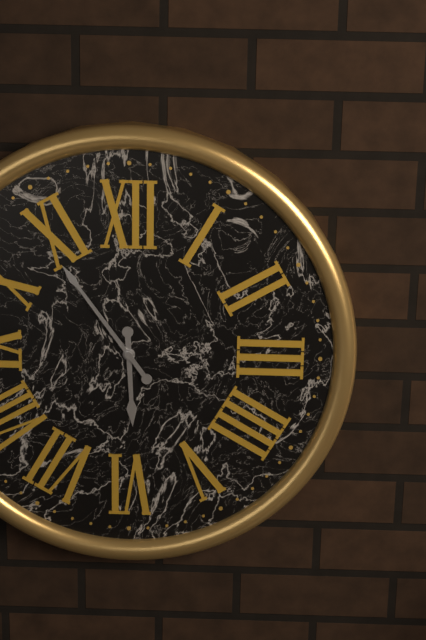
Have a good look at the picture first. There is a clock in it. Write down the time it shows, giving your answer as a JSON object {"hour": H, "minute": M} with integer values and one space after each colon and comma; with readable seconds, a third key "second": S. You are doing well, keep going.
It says {"hour": 5, "minute": 54}
